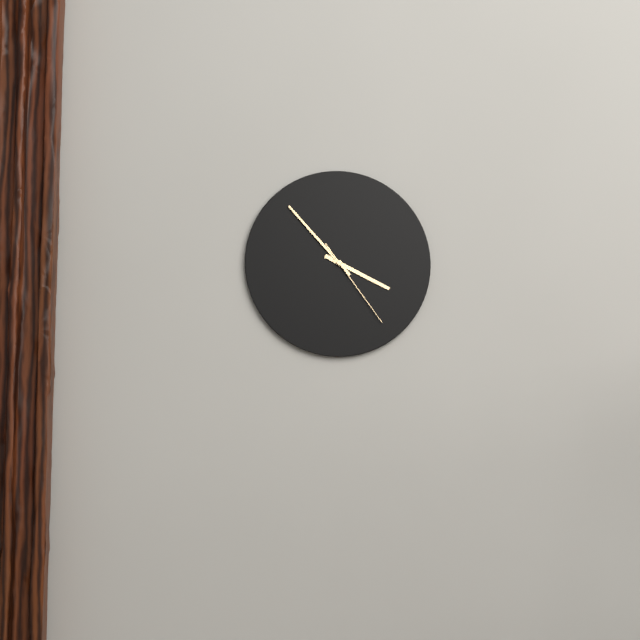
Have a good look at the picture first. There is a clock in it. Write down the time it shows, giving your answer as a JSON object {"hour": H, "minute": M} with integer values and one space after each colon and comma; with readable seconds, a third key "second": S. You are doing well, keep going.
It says {"hour": 3, "minute": 53, "second": 24}
